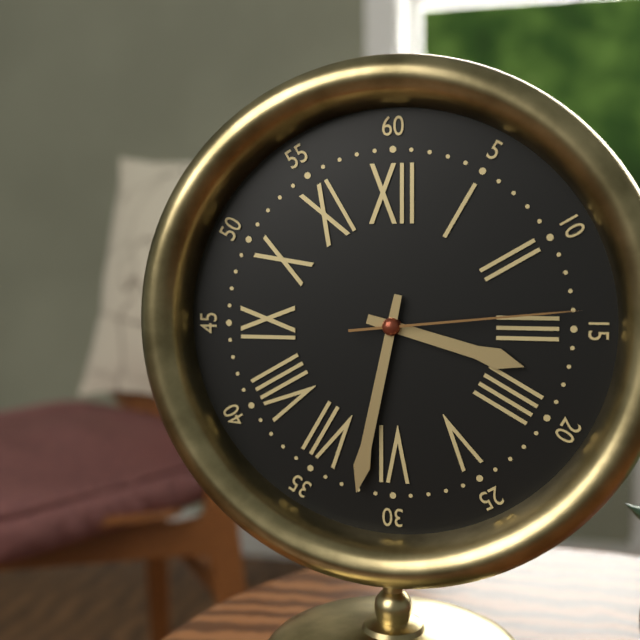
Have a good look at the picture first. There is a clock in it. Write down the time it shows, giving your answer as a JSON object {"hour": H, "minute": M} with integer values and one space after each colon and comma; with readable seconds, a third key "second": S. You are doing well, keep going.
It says {"hour": 3, "minute": 32, "second": 14}
